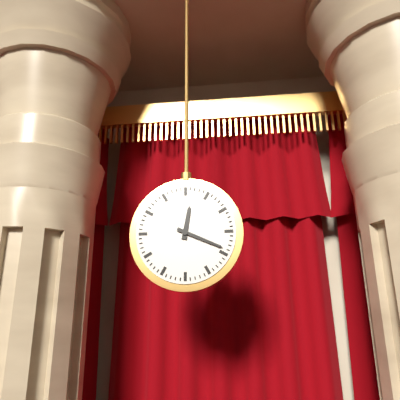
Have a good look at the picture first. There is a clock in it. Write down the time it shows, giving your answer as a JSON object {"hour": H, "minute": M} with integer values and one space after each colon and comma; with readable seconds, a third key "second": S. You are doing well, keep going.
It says {"hour": 12, "minute": 19}
